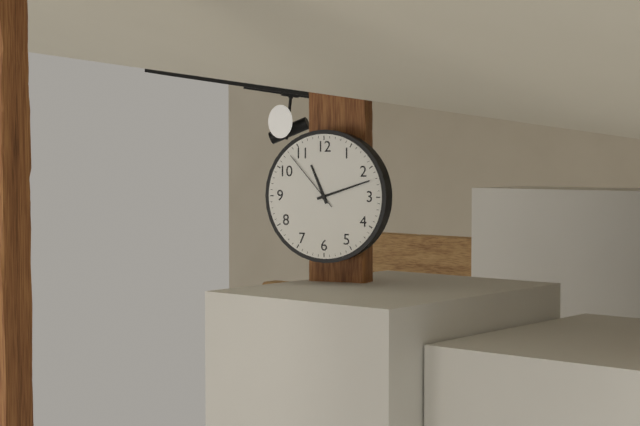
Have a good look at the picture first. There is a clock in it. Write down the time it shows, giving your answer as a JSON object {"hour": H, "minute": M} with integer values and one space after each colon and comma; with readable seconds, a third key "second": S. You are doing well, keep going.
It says {"hour": 11, "minute": 12, "second": 53}
